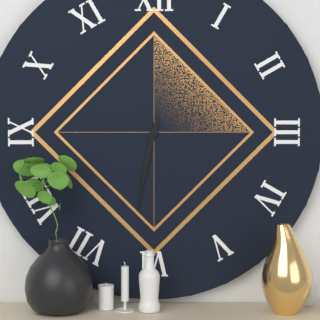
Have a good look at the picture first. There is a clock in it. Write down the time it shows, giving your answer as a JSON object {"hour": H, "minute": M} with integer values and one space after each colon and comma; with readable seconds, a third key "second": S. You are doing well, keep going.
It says {"hour": 6, "minute": 32}
